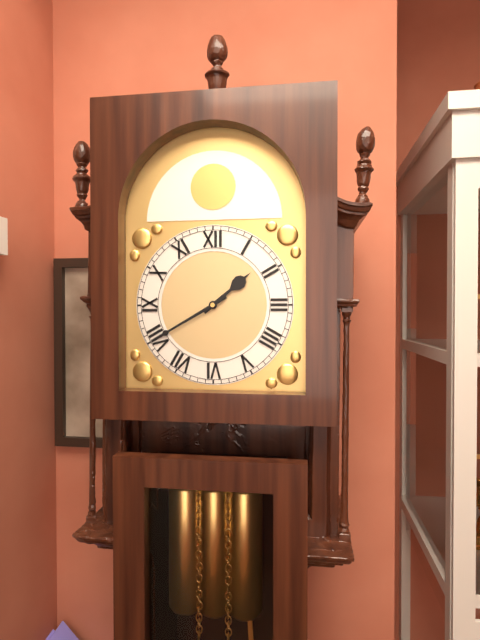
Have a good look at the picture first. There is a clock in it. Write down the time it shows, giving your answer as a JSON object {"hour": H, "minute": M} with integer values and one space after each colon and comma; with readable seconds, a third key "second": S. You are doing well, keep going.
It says {"hour": 1, "minute": 40}
